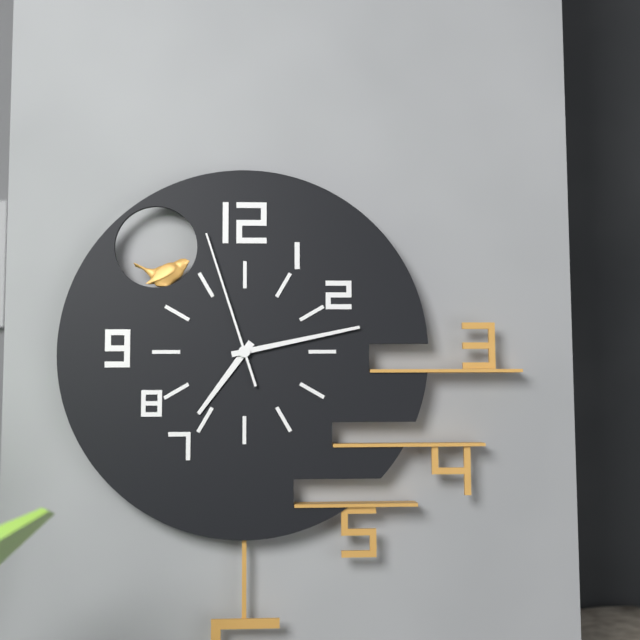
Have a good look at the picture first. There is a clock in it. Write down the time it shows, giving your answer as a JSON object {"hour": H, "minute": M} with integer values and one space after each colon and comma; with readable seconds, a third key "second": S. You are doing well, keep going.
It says {"hour": 7, "minute": 13, "second": 57}
